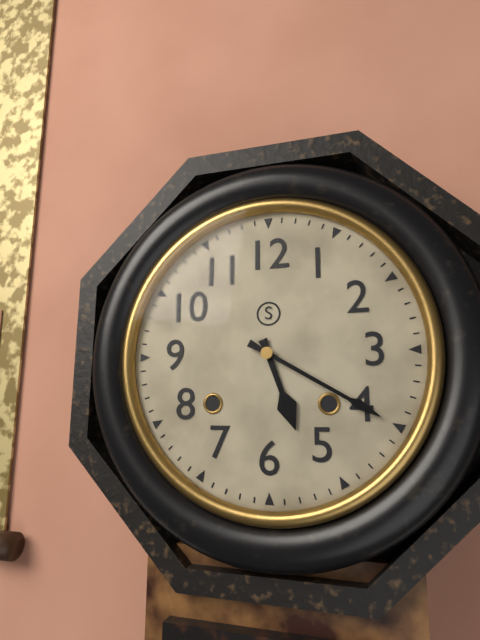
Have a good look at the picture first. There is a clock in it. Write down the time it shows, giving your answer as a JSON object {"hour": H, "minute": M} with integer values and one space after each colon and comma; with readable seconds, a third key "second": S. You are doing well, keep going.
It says {"hour": 5, "minute": 20}
